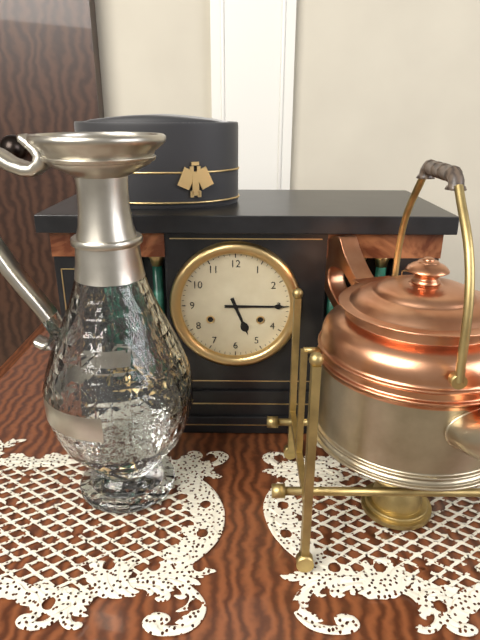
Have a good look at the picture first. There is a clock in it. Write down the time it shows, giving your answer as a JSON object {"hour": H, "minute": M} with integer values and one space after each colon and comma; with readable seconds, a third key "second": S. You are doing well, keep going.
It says {"hour": 5, "minute": 15}
